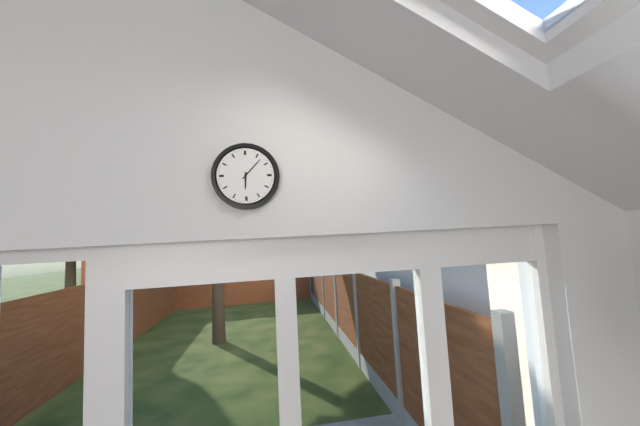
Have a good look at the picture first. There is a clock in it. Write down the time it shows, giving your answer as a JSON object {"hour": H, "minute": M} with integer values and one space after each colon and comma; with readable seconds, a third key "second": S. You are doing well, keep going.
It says {"hour": 6, "minute": 7}
